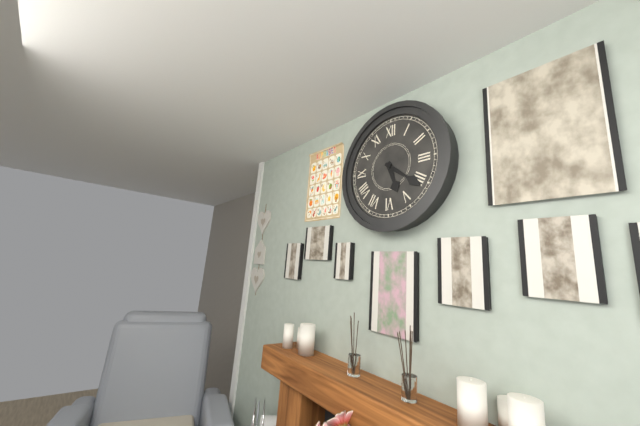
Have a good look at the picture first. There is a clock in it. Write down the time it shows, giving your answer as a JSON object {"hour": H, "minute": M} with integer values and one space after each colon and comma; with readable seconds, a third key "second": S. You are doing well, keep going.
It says {"hour": 5, "minute": 21}
